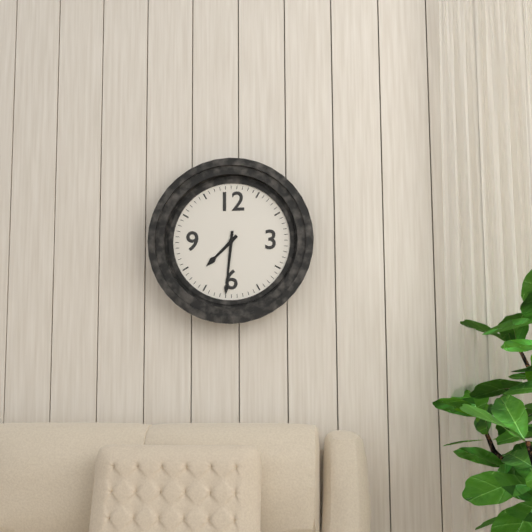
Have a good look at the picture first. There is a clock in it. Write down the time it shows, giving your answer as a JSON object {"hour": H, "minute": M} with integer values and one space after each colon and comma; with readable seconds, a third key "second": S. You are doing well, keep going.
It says {"hour": 7, "minute": 31}
